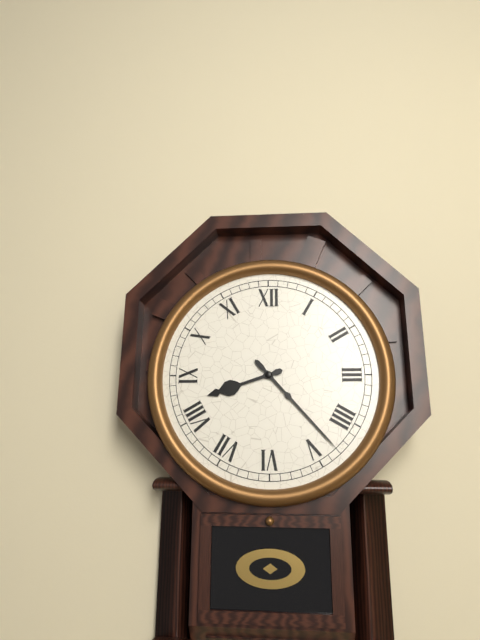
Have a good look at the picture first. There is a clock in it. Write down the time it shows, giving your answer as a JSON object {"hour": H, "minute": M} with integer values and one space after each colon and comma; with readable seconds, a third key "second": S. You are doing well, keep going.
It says {"hour": 8, "minute": 23}
